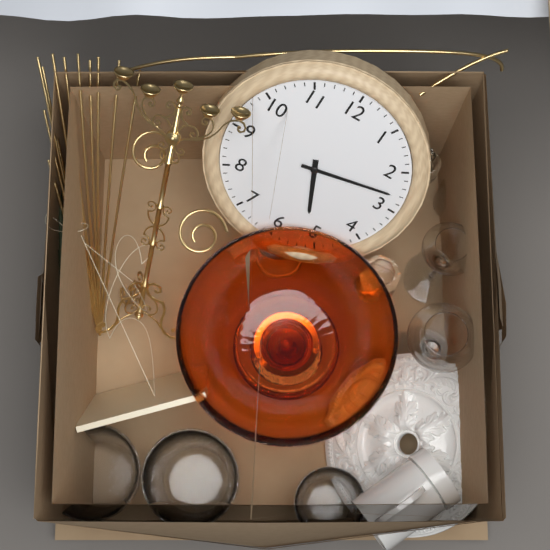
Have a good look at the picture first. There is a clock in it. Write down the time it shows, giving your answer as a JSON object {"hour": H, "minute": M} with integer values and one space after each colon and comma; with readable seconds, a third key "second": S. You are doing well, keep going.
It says {"hour": 5, "minute": 13}
